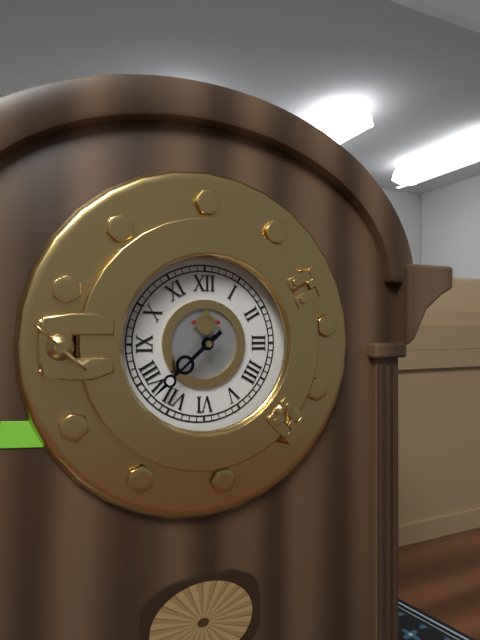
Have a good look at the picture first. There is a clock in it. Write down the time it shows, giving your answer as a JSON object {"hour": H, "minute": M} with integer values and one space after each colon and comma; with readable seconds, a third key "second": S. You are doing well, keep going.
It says {"hour": 7, "minute": 38}
